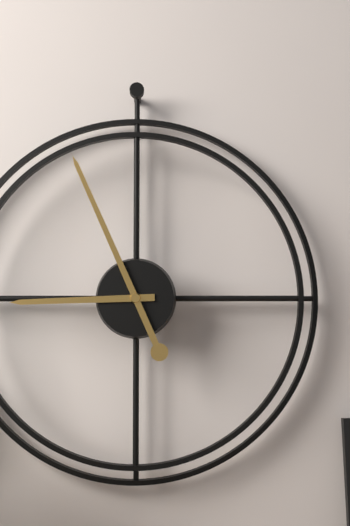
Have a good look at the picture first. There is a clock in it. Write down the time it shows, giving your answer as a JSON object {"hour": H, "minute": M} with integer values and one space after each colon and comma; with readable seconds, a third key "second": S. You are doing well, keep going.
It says {"hour": 8, "minute": 56}
